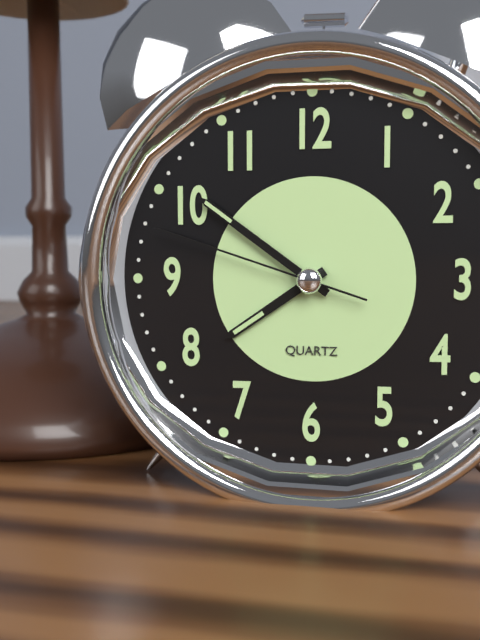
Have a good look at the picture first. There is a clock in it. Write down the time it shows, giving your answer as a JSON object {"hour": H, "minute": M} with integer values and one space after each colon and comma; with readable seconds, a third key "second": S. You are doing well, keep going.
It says {"hour": 7, "minute": 51, "second": 48}
